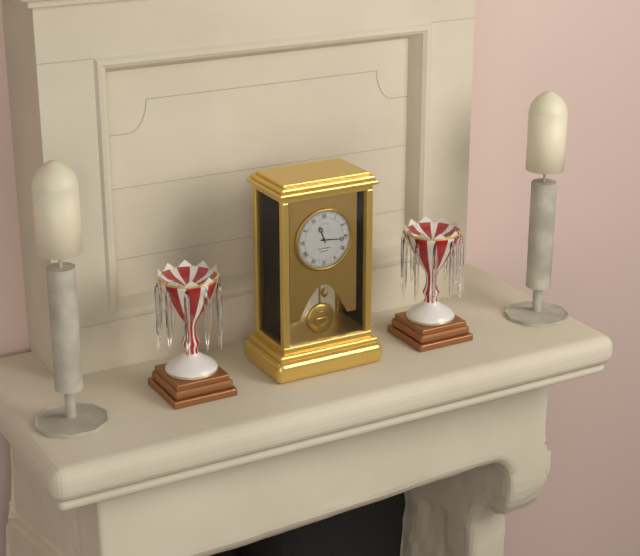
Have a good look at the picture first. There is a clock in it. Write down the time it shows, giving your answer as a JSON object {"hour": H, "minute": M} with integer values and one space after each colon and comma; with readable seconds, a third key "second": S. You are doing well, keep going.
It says {"hour": 11, "minute": 16}
